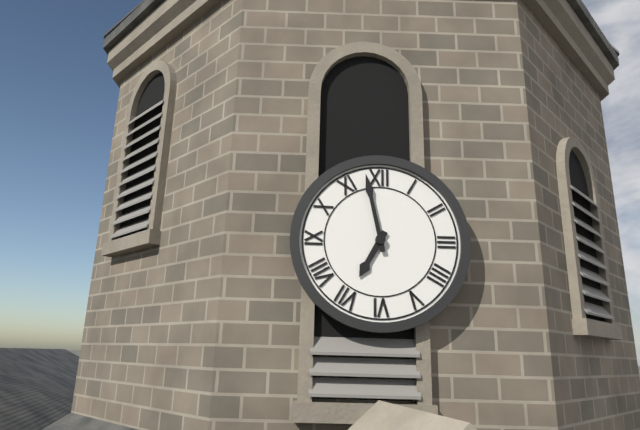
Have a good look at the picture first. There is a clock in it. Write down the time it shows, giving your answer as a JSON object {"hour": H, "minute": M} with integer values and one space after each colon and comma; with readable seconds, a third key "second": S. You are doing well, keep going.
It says {"hour": 6, "minute": 58}
